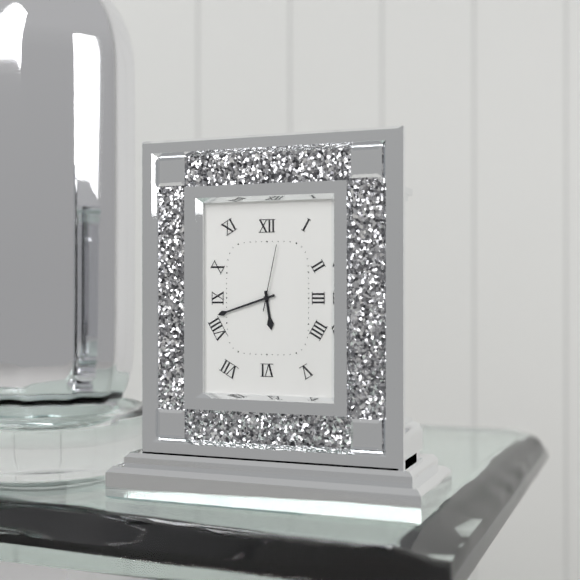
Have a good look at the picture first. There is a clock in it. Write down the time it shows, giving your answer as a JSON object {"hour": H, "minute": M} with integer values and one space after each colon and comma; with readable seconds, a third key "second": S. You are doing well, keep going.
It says {"hour": 5, "minute": 42, "second": 2}
